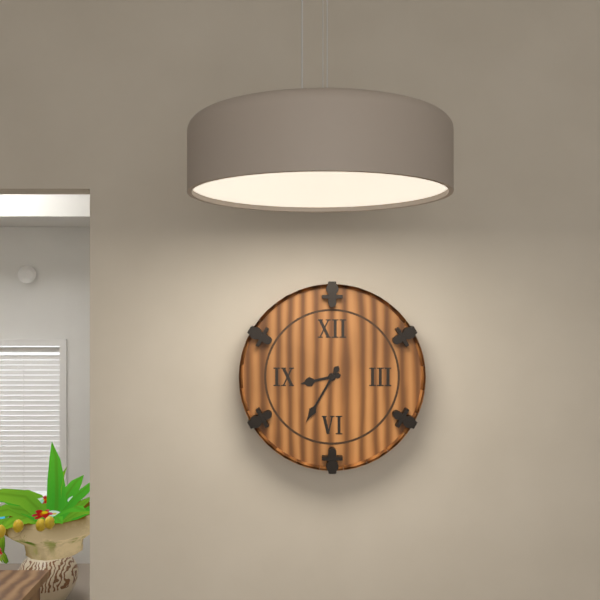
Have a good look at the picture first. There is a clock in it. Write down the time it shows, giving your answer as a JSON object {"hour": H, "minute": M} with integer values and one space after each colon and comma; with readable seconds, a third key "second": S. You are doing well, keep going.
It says {"hour": 8, "minute": 35}
